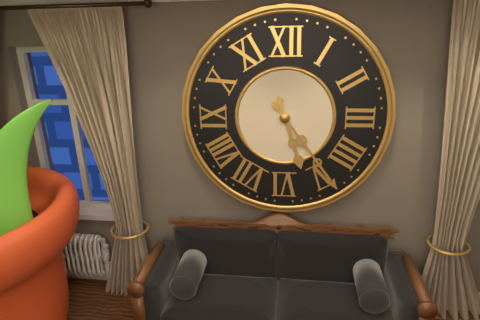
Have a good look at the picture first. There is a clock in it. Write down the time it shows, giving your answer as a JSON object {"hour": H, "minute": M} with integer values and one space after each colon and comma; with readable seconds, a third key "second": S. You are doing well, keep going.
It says {"hour": 5, "minute": 24}
